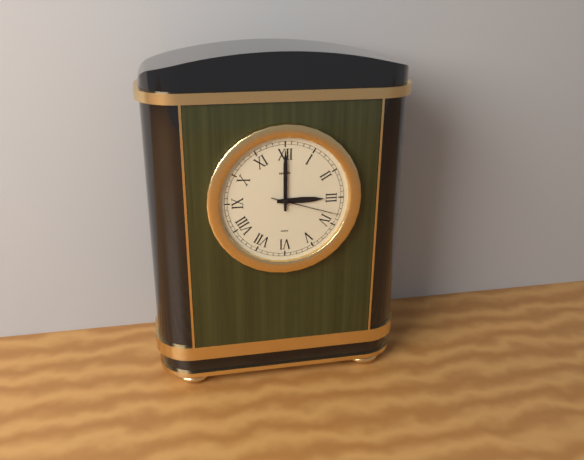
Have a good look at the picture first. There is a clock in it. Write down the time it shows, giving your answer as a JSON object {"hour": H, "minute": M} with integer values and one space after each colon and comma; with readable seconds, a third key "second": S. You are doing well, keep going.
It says {"hour": 3, "minute": 0, "second": 18}
